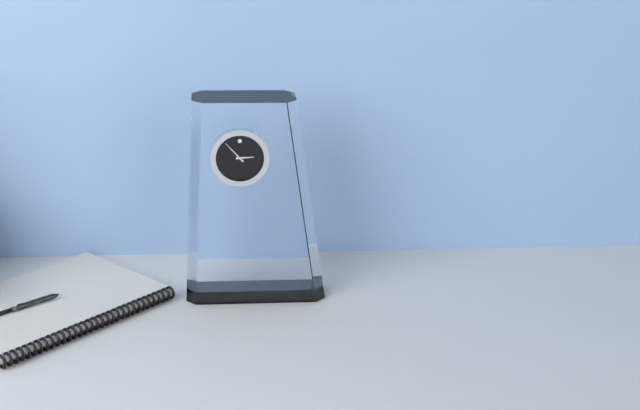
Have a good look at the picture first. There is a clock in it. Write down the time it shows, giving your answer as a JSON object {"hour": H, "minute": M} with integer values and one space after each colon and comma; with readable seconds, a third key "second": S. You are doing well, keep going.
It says {"hour": 2, "minute": 53}
